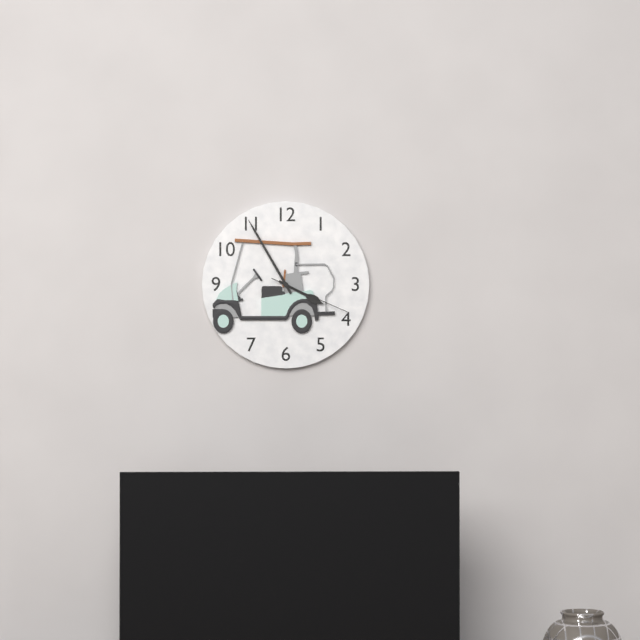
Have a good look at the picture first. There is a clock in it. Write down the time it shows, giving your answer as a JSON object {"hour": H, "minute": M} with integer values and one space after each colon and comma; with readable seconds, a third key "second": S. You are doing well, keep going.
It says {"hour": 3, "minute": 55, "second": 19}
